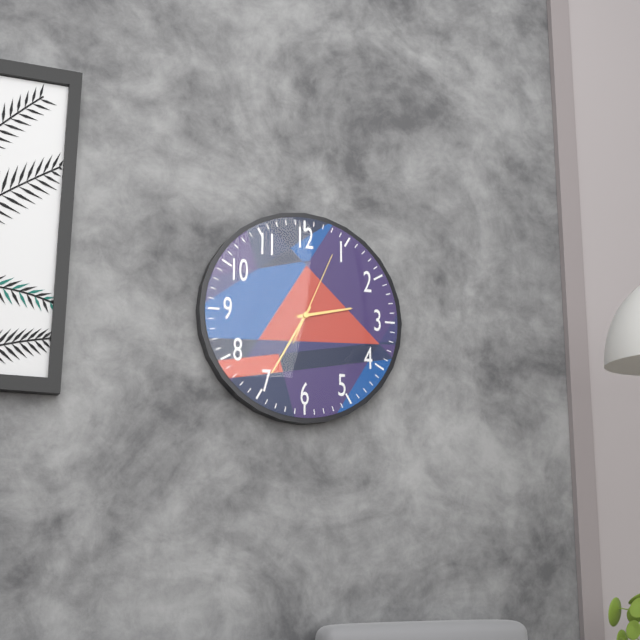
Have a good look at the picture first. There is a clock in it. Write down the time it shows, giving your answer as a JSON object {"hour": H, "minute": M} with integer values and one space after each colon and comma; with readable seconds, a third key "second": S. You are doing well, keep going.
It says {"hour": 2, "minute": 35, "second": 4}
